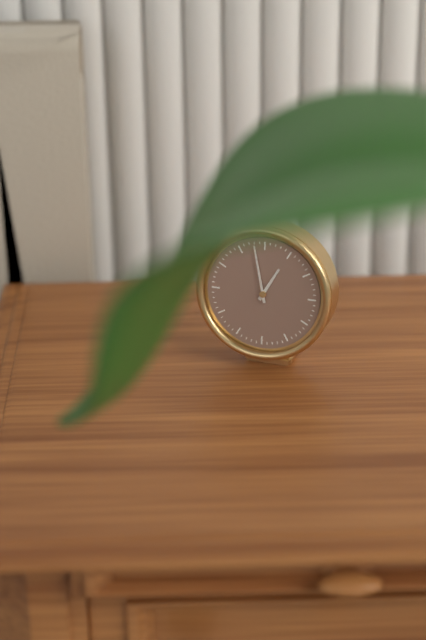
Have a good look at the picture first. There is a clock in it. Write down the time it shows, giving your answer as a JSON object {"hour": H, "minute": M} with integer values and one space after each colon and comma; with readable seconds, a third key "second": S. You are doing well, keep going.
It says {"hour": 12, "minute": 58}
